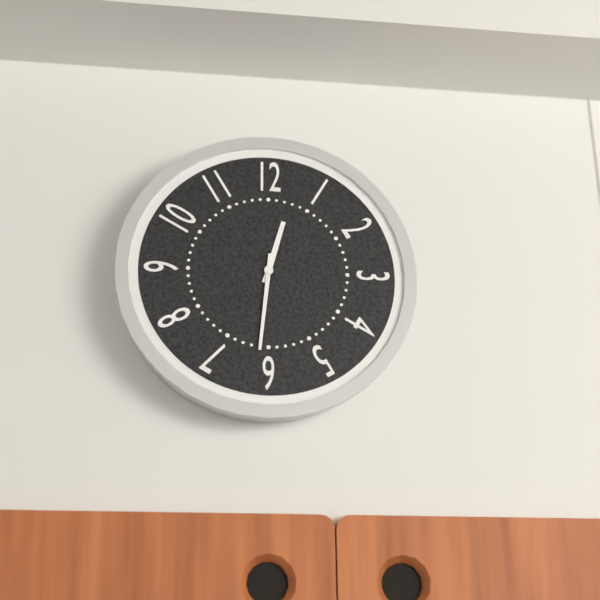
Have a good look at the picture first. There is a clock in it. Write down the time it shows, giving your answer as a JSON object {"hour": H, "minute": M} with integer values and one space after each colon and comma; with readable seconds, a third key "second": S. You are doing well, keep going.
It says {"hour": 12, "minute": 31}
